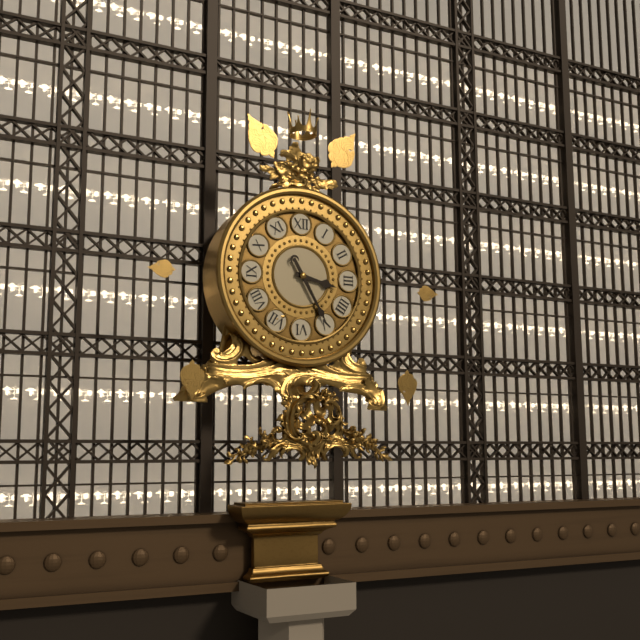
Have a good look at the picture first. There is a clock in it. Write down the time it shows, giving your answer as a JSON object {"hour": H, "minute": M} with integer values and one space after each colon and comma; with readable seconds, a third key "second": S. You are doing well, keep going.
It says {"hour": 3, "minute": 25}
